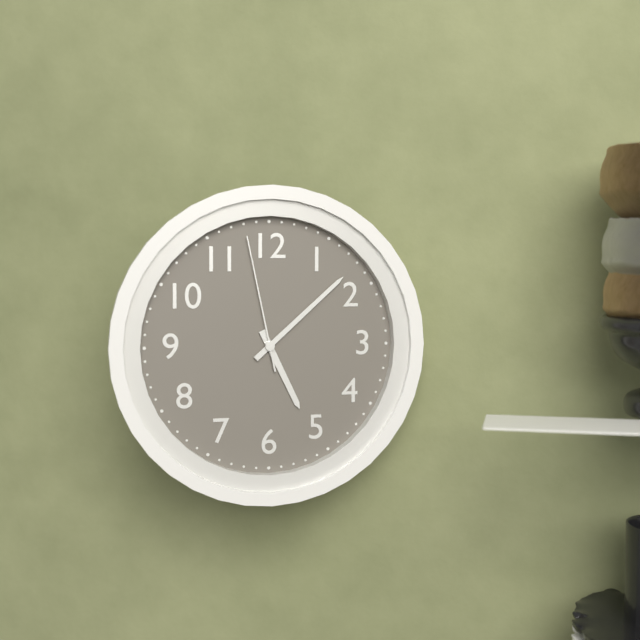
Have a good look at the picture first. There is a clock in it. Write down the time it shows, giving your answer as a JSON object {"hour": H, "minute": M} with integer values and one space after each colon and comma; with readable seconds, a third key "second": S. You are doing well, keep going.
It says {"hour": 5, "minute": 8, "second": 58}
